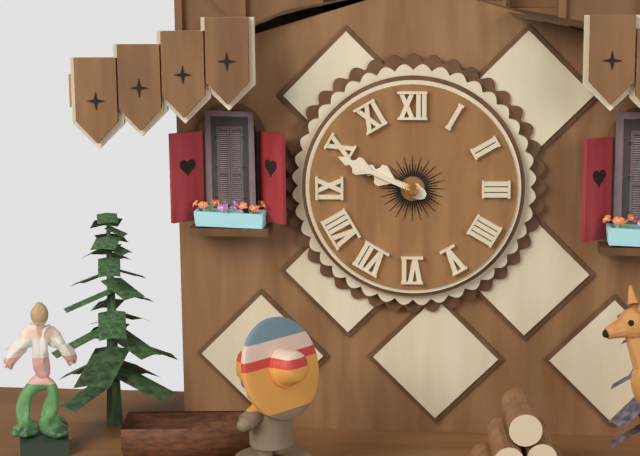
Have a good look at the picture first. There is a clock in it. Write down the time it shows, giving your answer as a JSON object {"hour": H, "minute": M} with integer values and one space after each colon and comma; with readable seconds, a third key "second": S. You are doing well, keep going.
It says {"hour": 9, "minute": 49}
